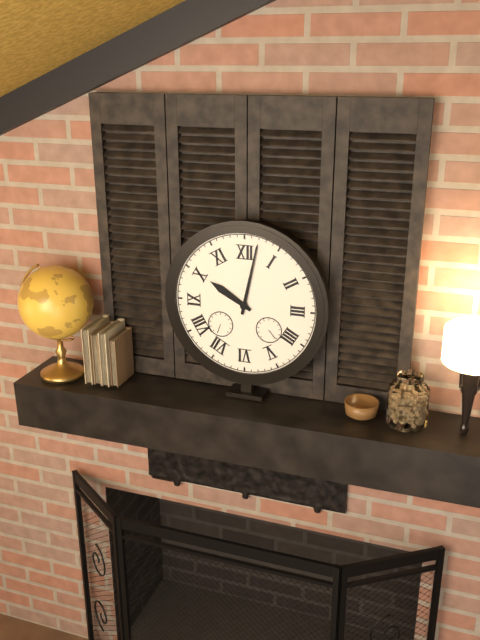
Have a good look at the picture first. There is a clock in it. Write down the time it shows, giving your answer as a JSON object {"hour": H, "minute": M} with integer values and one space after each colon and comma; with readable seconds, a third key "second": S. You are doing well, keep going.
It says {"hour": 10, "minute": 2}
